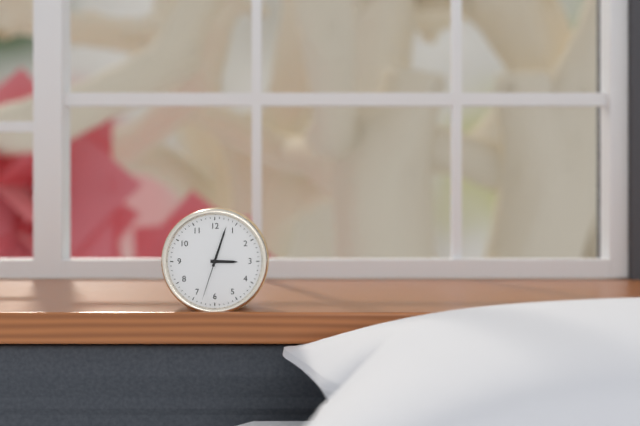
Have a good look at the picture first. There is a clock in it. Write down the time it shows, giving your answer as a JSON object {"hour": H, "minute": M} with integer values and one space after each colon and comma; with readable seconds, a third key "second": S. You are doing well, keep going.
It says {"hour": 3, "minute": 3, "second": 33}
